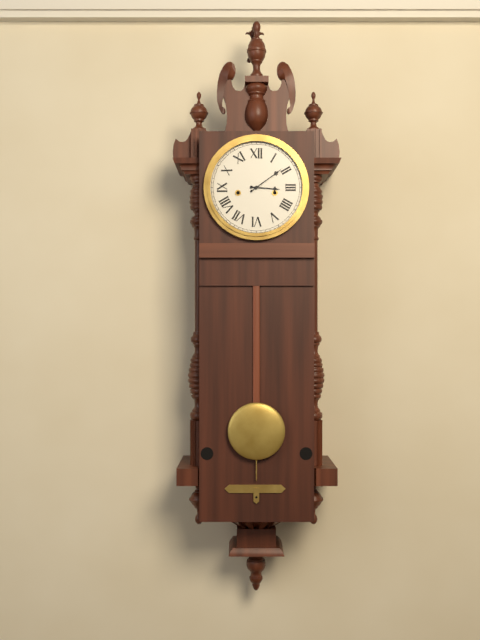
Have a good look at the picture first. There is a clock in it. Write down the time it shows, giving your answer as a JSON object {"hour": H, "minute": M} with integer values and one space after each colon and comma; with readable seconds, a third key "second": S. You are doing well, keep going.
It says {"hour": 3, "minute": 9}
